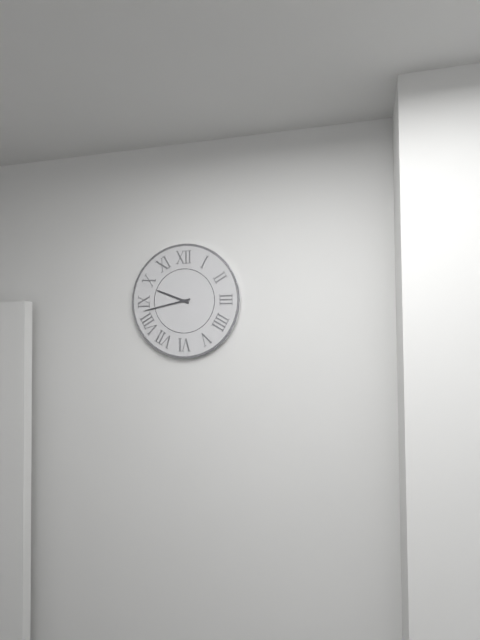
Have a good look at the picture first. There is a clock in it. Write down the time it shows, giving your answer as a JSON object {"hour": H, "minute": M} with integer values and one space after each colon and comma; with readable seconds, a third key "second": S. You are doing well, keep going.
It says {"hour": 9, "minute": 43}
